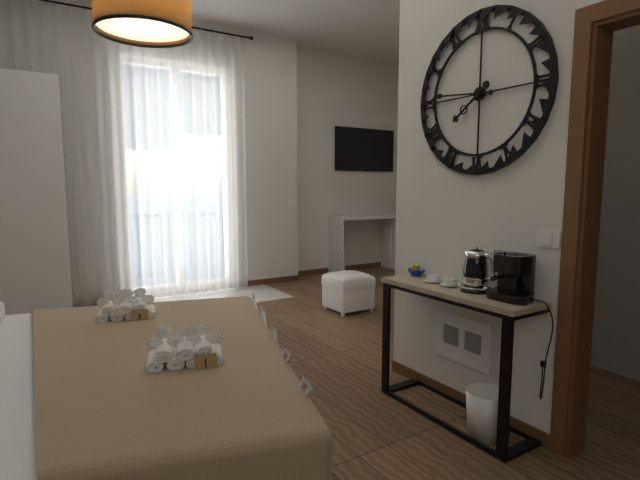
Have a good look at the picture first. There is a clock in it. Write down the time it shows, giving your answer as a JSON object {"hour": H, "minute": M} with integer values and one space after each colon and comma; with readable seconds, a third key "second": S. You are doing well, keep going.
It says {"hour": 7, "minute": 46}
